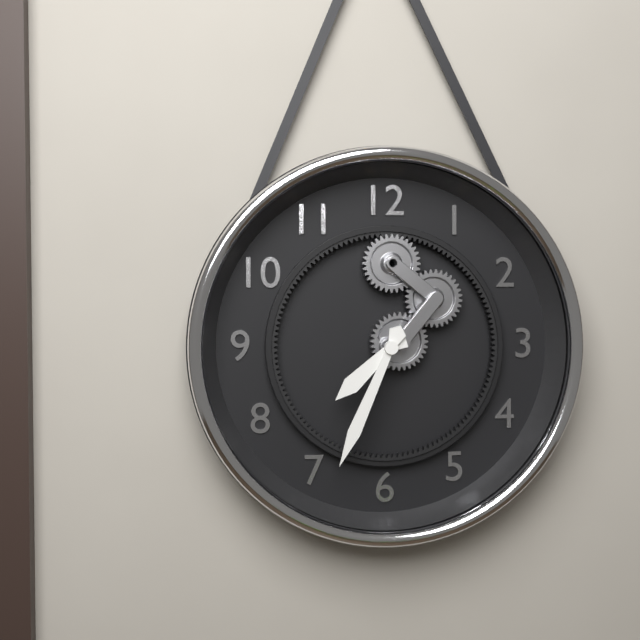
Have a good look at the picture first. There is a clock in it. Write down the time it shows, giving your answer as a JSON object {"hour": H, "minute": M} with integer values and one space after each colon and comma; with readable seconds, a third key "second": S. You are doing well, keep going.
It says {"hour": 7, "minute": 34}
